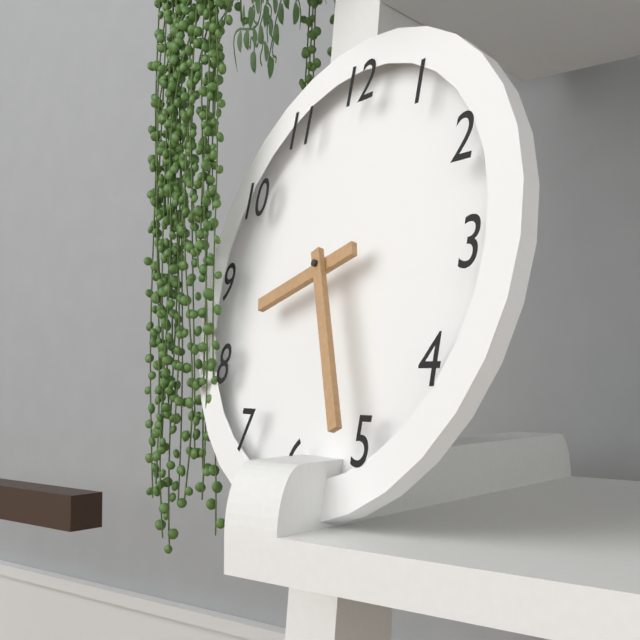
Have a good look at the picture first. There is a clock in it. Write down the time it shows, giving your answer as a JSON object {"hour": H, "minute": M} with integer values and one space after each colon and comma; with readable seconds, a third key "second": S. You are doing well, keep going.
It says {"hour": 8, "minute": 26}
